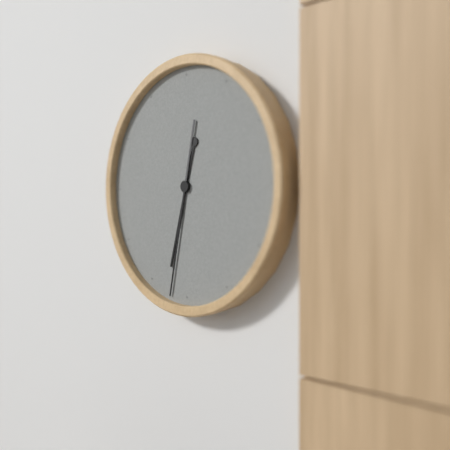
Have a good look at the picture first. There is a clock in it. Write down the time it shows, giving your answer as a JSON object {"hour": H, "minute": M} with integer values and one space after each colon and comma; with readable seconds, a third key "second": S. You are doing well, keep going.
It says {"hour": 6, "minute": 32}
